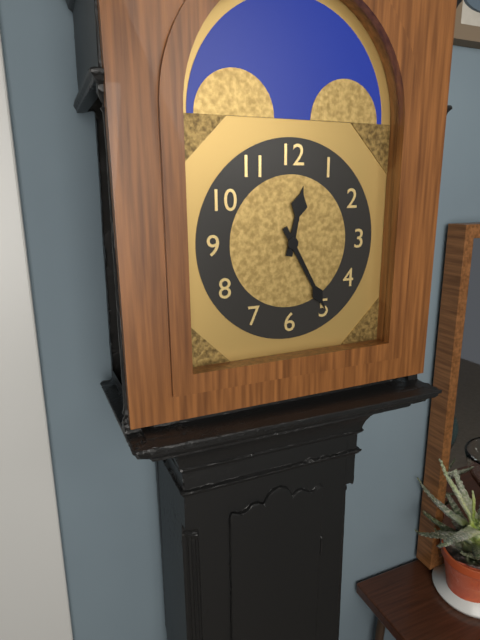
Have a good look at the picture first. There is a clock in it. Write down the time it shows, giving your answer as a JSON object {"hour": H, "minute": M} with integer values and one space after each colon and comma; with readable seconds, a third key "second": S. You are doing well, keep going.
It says {"hour": 12, "minute": 25}
